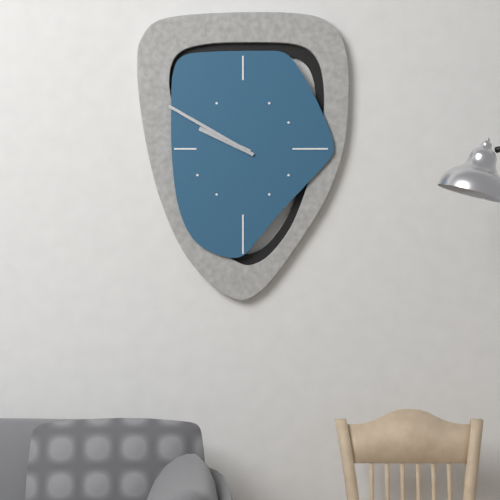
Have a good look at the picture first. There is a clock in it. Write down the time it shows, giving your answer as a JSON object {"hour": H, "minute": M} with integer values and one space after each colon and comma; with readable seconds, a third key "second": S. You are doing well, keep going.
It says {"hour": 9, "minute": 50}
